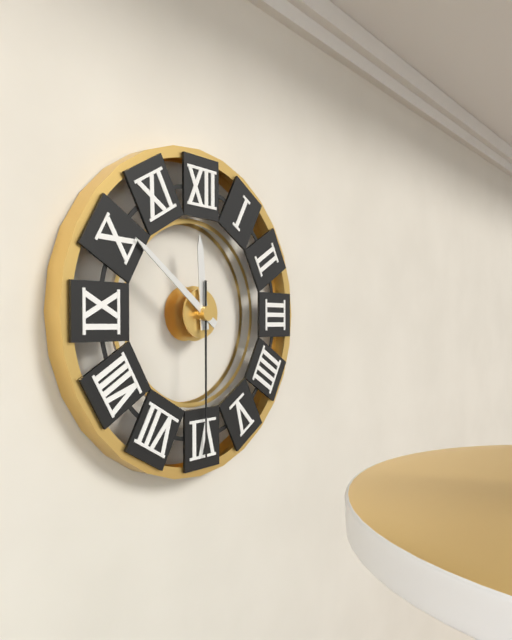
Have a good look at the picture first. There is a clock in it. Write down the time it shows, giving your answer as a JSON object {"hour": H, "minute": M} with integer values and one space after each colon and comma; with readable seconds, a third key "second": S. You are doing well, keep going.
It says {"hour": 11, "minute": 51, "second": 30}
